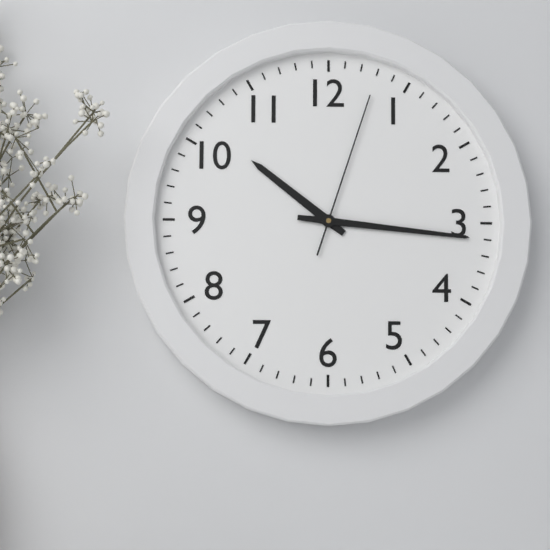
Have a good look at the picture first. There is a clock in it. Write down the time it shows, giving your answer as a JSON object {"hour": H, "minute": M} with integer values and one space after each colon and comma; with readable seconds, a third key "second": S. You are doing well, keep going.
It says {"hour": 10, "minute": 16, "second": 3}
